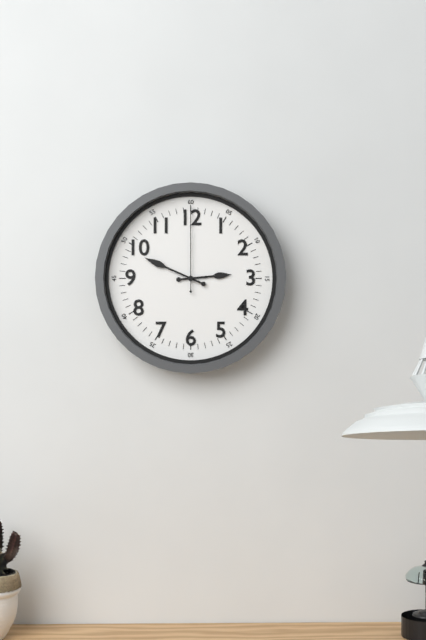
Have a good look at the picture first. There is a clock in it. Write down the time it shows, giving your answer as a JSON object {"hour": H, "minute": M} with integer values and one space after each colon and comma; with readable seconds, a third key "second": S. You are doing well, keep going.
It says {"hour": 2, "minute": 49, "second": 0}
